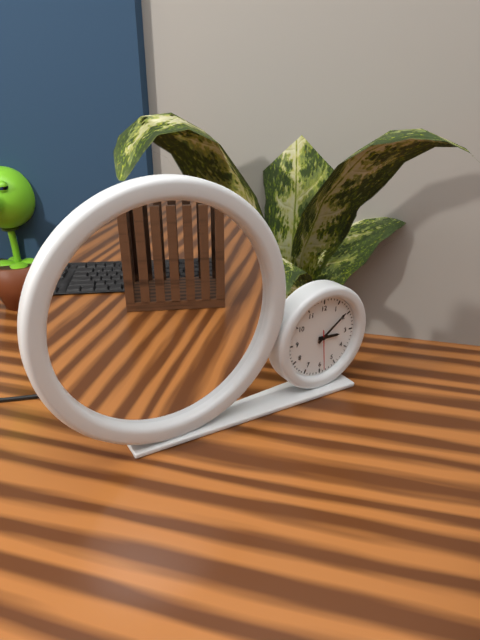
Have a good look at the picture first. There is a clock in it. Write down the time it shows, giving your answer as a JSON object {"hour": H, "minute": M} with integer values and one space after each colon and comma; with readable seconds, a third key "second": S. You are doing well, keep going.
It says {"hour": 3, "minute": 9}
